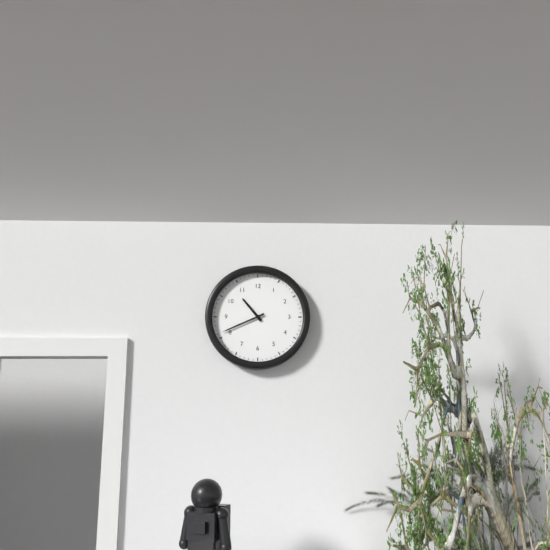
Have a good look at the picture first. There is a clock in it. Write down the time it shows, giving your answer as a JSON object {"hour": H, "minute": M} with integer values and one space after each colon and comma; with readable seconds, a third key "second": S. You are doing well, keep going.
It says {"hour": 10, "minute": 41}
